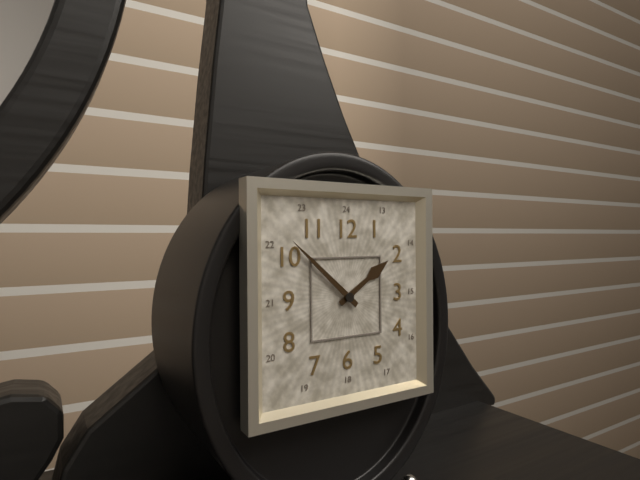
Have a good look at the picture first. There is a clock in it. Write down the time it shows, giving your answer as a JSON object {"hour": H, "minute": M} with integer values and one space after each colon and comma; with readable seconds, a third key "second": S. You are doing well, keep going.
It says {"hour": 1, "minute": 52}
